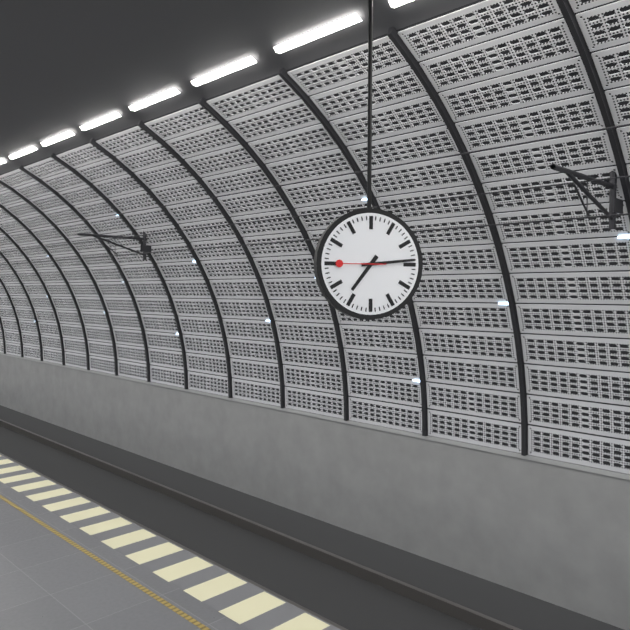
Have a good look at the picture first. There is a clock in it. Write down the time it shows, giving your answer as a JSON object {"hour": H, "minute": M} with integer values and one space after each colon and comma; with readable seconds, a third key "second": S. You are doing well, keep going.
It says {"hour": 7, "minute": 14}
